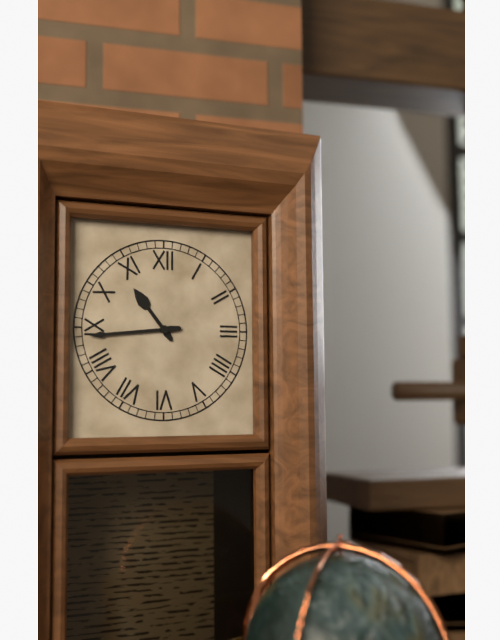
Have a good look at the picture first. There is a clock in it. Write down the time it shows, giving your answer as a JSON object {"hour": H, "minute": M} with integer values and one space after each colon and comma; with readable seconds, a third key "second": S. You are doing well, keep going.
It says {"hour": 10, "minute": 44}
